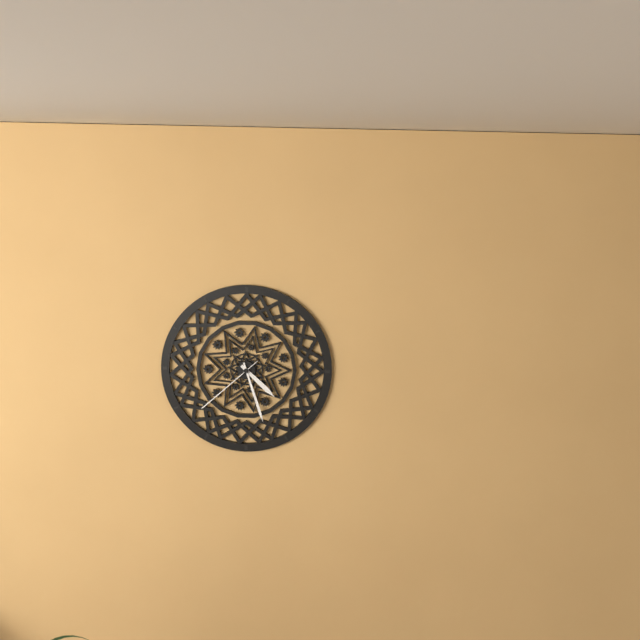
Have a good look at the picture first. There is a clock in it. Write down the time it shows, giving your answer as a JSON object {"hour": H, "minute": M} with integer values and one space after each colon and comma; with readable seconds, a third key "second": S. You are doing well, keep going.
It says {"hour": 4, "minute": 27, "second": 38}
